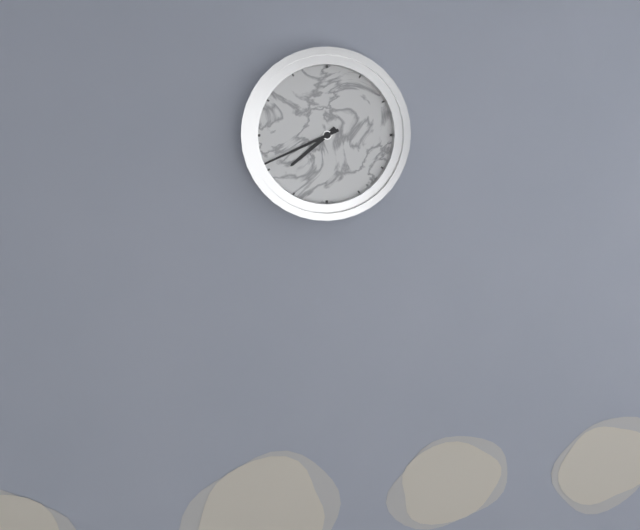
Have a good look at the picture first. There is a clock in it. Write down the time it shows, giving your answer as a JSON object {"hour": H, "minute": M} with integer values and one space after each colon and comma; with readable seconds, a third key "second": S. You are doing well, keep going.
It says {"hour": 7, "minute": 41}
